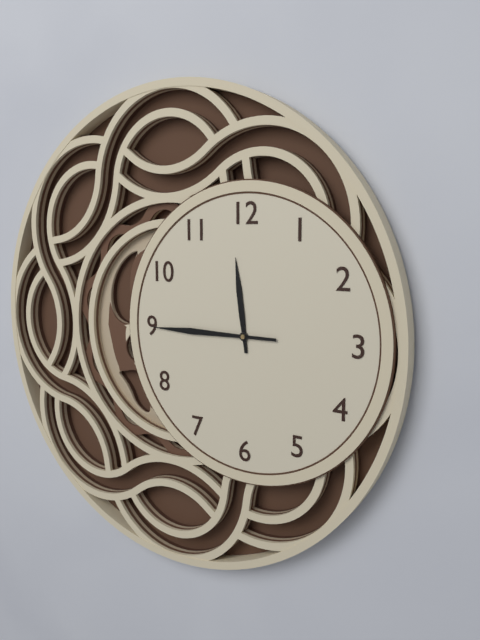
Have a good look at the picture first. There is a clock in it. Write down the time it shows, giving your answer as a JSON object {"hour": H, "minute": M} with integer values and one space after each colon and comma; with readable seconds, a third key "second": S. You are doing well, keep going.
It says {"hour": 11, "minute": 45}
